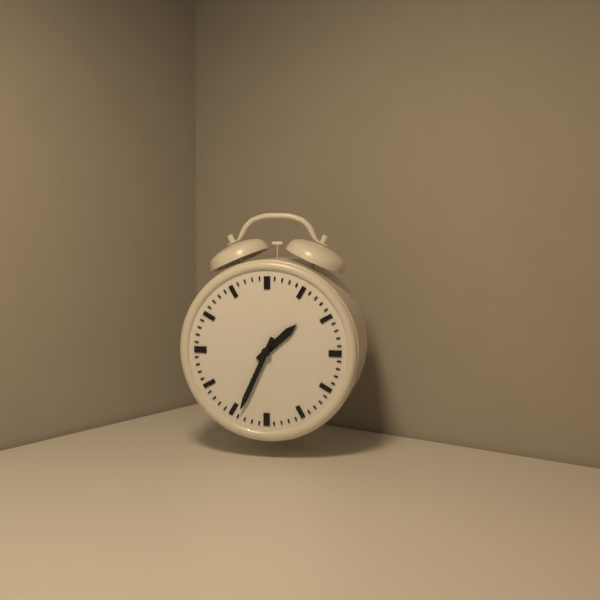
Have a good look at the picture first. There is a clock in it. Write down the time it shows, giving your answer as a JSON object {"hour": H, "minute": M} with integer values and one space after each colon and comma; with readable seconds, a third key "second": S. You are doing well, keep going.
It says {"hour": 1, "minute": 34}
